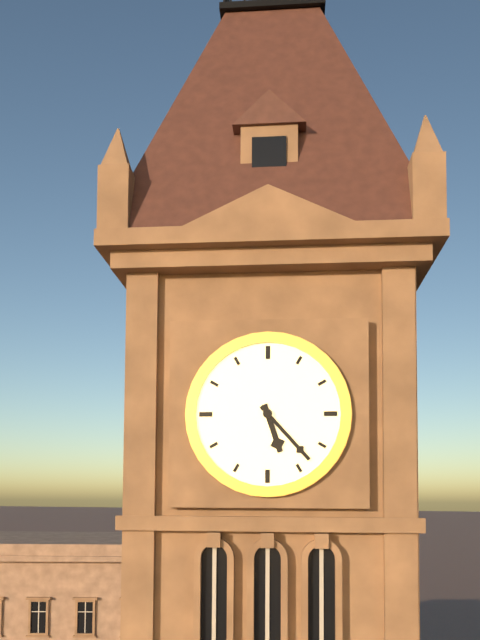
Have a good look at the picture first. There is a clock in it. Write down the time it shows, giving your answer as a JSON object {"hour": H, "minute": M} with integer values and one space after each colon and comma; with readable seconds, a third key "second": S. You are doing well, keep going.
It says {"hour": 5, "minute": 23}
